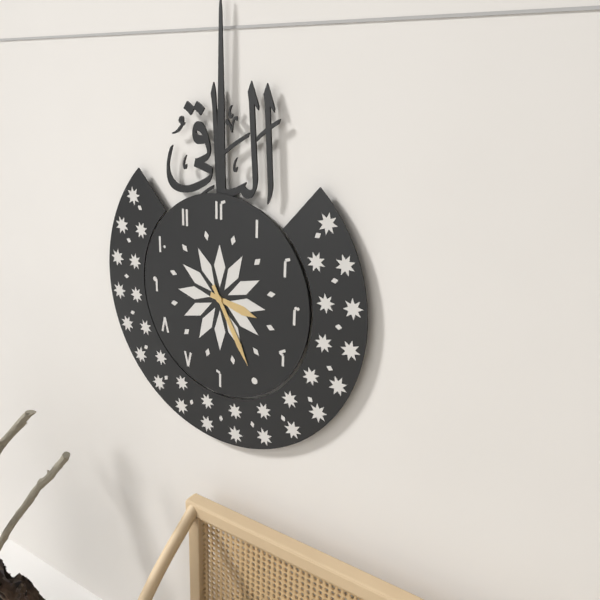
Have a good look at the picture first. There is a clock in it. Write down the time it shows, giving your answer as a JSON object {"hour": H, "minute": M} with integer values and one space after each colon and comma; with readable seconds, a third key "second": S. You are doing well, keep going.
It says {"hour": 3, "minute": 25}
